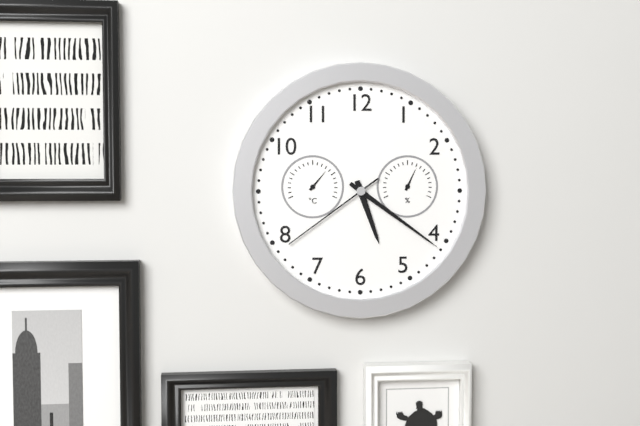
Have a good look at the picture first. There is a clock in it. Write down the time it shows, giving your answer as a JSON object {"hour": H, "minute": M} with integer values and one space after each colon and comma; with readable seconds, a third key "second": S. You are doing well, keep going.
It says {"hour": 5, "minute": 21, "second": 39}
